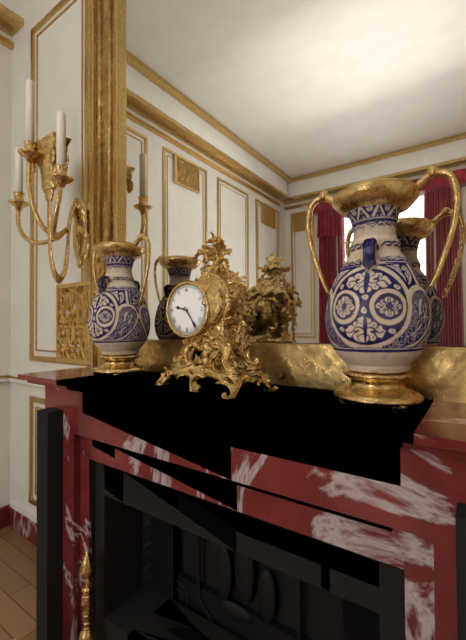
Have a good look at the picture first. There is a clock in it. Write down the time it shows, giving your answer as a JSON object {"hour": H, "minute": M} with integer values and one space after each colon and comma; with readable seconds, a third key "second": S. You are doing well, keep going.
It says {"hour": 9, "minute": 24}
